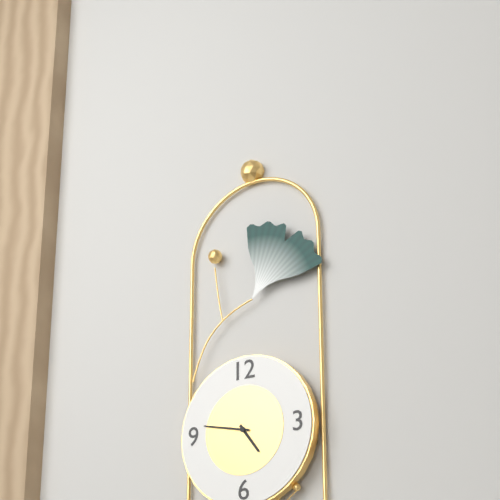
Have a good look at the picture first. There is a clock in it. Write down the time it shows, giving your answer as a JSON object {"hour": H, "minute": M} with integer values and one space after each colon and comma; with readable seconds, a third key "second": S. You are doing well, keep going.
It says {"hour": 4, "minute": 47}
